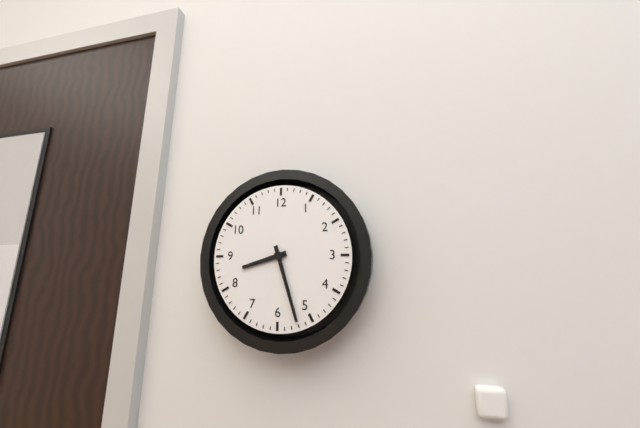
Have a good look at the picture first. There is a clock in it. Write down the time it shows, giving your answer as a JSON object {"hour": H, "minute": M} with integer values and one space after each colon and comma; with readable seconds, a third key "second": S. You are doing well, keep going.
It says {"hour": 8, "minute": 27}
